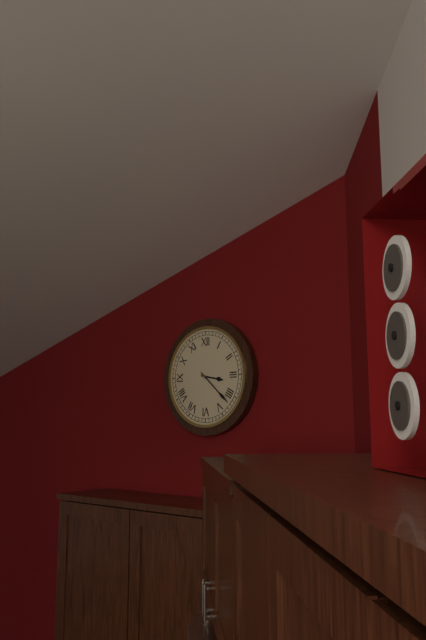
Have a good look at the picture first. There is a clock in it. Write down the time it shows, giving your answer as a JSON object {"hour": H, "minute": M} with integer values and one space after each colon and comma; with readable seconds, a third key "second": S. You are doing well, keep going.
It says {"hour": 3, "minute": 22}
